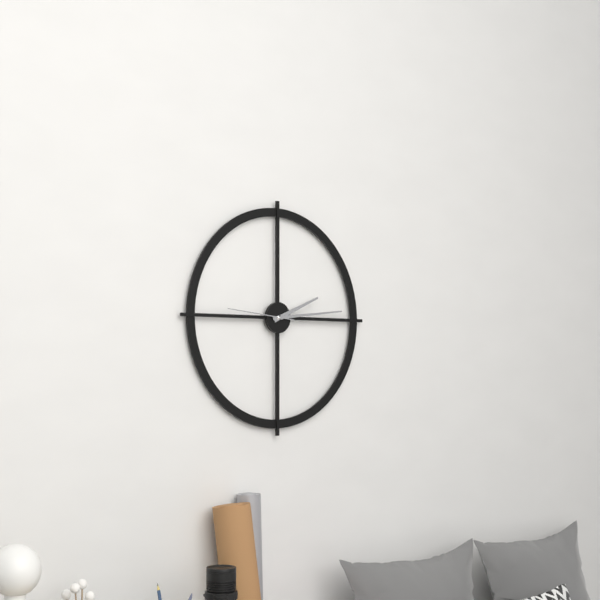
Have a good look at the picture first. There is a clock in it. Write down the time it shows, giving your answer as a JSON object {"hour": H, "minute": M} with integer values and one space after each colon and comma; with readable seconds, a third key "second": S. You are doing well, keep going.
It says {"hour": 2, "minute": 14, "second": 46}
